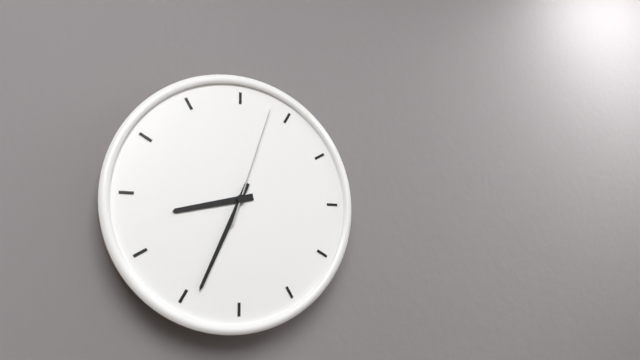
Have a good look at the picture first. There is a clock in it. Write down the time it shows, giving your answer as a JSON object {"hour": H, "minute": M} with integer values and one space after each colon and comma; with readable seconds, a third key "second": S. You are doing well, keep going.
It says {"hour": 8, "minute": 34, "second": 3}
